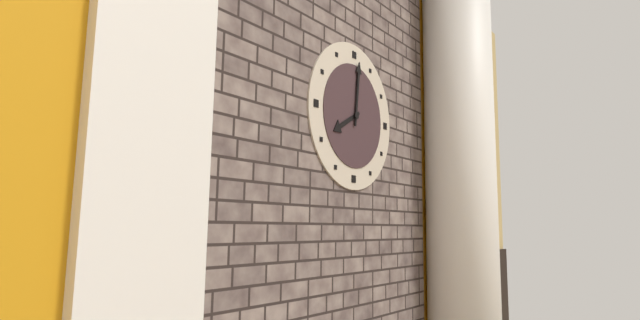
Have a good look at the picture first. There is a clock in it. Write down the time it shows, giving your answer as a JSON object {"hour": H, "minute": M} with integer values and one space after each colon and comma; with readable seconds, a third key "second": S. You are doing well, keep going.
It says {"hour": 8, "minute": 1}
